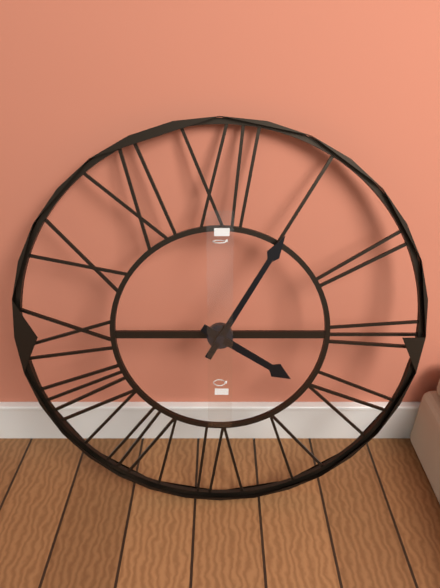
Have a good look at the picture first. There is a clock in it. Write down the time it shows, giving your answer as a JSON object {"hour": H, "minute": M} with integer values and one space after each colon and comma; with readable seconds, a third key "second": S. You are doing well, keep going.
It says {"hour": 4, "minute": 5}
